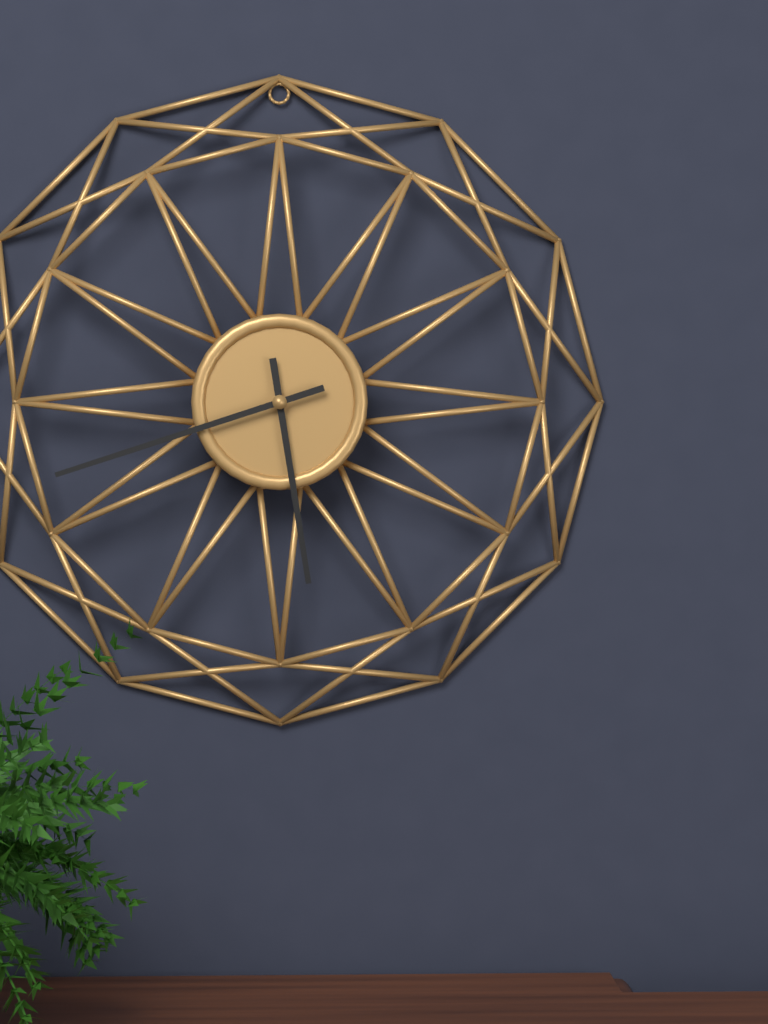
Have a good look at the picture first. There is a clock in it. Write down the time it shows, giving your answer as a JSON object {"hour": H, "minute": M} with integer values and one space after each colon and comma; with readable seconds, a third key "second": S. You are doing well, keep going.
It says {"hour": 5, "minute": 42}
